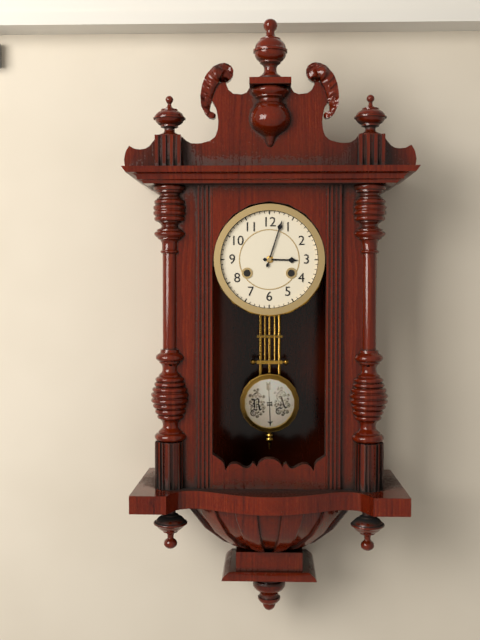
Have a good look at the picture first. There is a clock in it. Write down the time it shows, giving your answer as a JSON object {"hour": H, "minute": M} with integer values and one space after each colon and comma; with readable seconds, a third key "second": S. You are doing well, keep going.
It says {"hour": 3, "minute": 3}
